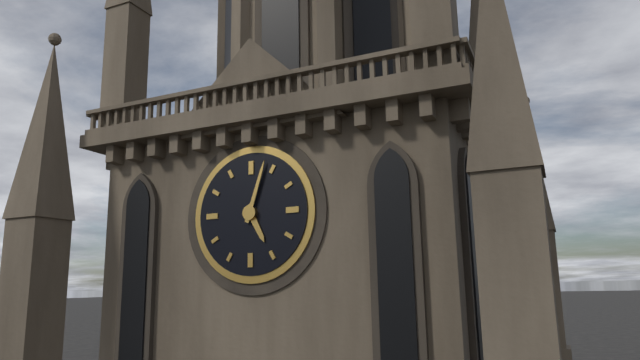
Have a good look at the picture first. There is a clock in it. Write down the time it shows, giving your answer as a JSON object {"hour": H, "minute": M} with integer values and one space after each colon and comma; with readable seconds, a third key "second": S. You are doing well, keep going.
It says {"hour": 5, "minute": 3}
